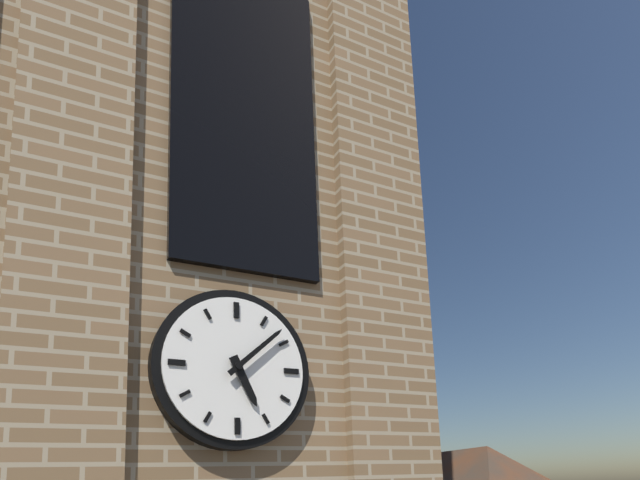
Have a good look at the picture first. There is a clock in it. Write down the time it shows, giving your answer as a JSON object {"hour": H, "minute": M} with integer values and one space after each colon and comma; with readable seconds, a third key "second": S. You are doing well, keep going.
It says {"hour": 5, "minute": 8}
